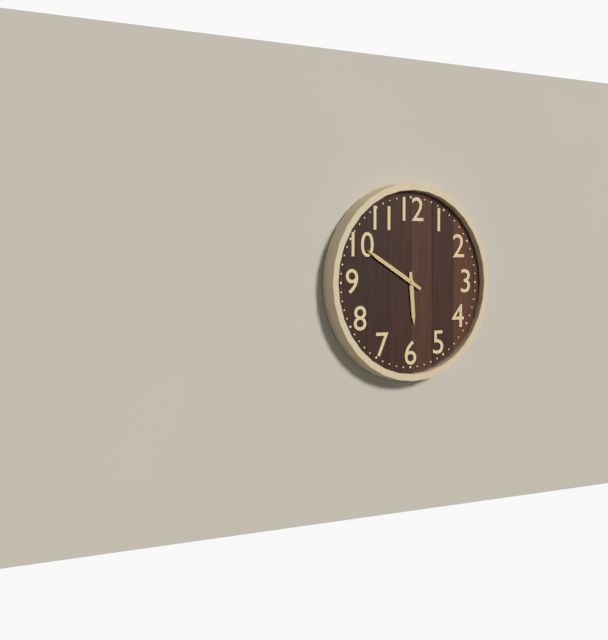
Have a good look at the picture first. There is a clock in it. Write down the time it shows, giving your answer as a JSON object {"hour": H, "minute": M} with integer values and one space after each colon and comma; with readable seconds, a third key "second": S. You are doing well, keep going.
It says {"hour": 5, "minute": 50}
